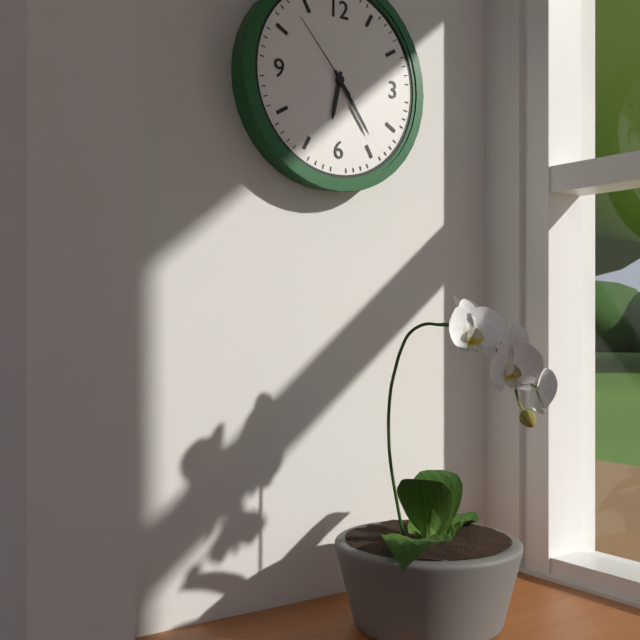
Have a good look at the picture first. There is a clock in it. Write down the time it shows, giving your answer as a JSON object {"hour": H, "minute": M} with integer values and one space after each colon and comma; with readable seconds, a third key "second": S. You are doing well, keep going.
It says {"hour": 6, "minute": 24, "second": 53}
